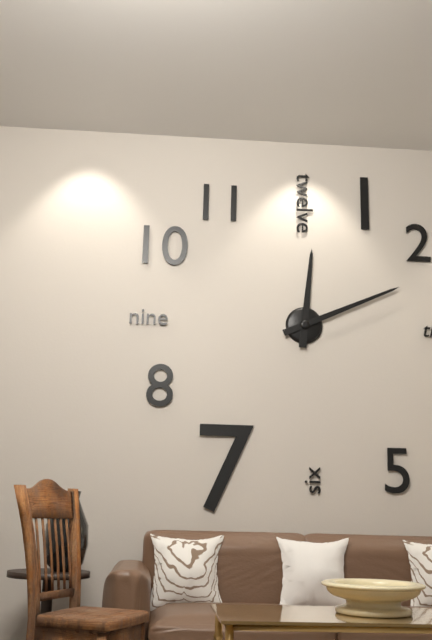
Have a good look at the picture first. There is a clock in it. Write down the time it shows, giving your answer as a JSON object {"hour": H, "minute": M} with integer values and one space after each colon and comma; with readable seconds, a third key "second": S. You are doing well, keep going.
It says {"hour": 12, "minute": 11}
